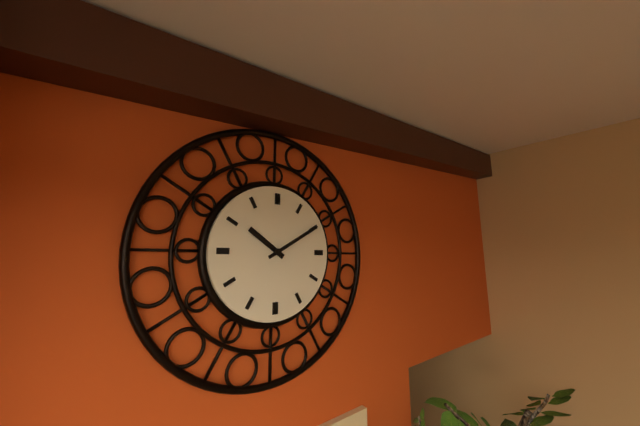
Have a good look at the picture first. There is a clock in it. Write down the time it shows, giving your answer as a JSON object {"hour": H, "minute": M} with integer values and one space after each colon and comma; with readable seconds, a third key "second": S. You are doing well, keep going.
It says {"hour": 10, "minute": 10}
